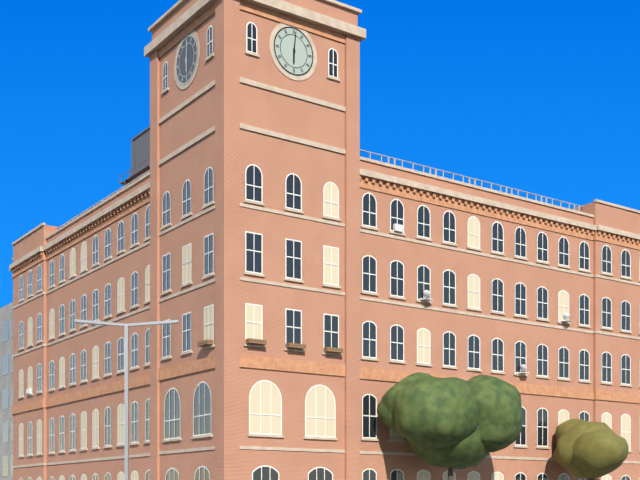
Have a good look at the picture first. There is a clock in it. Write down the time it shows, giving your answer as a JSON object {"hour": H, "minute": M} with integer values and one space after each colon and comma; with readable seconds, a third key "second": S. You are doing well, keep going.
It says {"hour": 6, "minute": 1}
